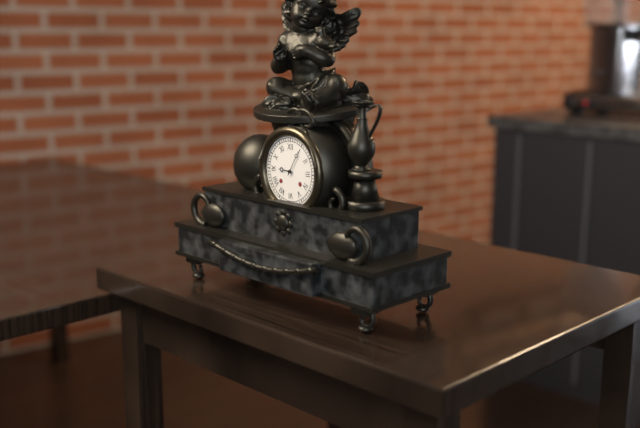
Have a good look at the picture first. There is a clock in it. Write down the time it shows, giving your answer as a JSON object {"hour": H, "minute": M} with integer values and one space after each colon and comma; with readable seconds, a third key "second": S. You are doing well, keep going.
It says {"hour": 9, "minute": 5}
